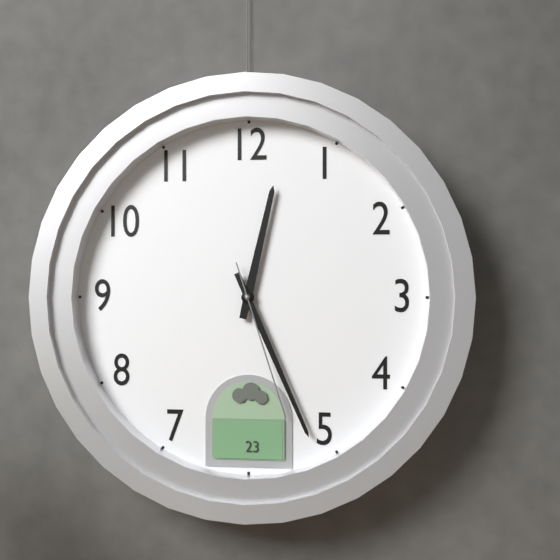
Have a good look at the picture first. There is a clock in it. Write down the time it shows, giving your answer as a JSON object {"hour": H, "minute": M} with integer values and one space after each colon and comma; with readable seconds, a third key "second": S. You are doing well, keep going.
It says {"hour": 12, "minute": 26, "second": 27}
